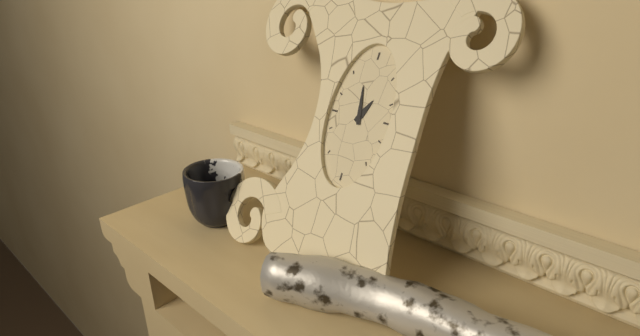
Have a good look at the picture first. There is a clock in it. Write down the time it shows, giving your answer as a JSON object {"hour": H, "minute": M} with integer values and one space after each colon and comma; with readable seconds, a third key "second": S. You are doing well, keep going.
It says {"hour": 12, "minute": 58}
